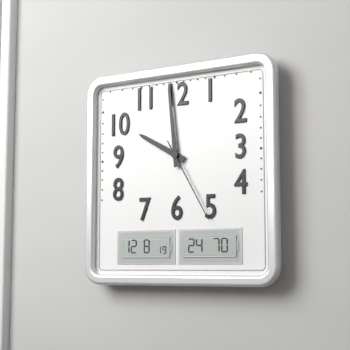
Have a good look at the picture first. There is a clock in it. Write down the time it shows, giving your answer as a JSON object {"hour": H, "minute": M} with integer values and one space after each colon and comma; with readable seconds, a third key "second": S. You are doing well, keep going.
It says {"hour": 9, "minute": 59, "second": 25}
